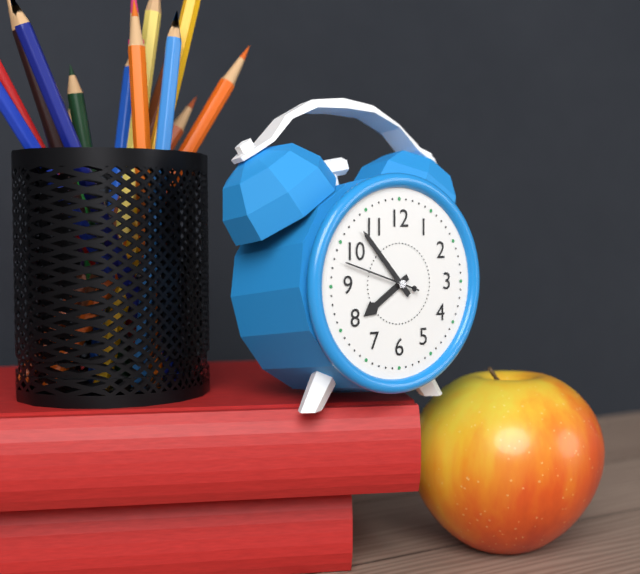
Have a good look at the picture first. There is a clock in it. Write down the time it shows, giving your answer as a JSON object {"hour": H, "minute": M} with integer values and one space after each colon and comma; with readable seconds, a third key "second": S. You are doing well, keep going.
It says {"hour": 7, "minute": 53, "second": 48}
